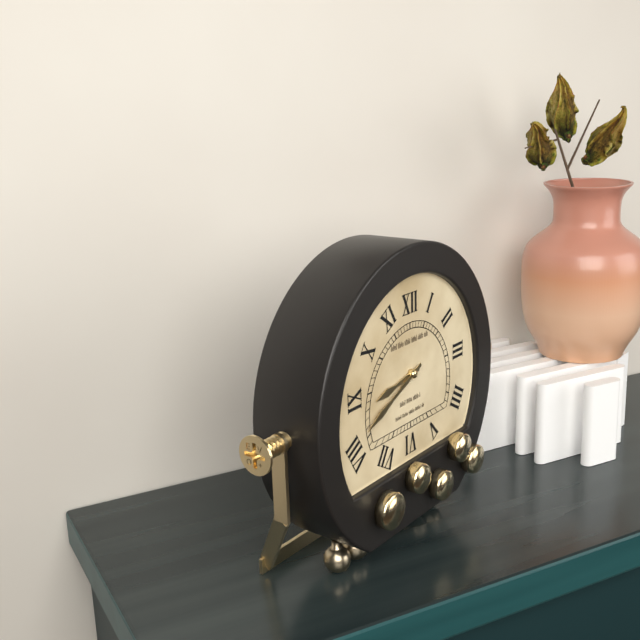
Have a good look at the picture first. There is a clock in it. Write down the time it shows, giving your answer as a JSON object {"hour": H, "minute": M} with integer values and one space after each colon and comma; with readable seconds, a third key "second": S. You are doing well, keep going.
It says {"hour": 8, "minute": 41}
